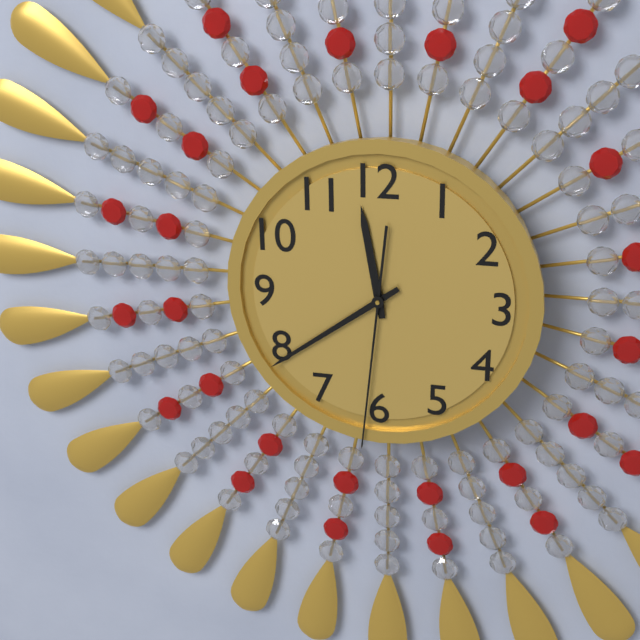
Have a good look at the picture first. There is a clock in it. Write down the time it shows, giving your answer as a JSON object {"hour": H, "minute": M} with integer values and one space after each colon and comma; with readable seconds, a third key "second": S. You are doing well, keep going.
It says {"hour": 11, "minute": 39, "second": 31}
